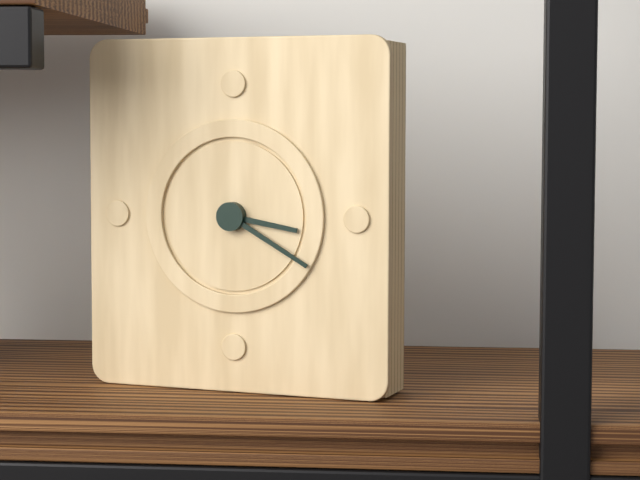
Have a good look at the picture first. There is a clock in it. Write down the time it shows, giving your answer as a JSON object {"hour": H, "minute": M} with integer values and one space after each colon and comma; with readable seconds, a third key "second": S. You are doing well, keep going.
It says {"hour": 3, "minute": 20}
